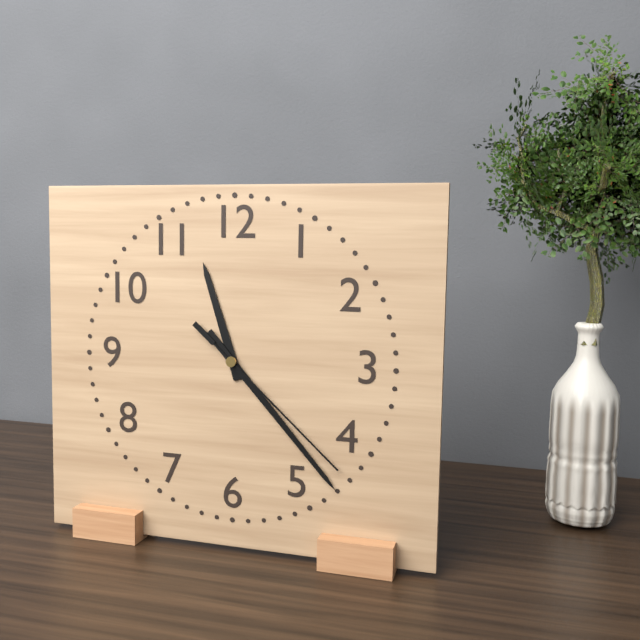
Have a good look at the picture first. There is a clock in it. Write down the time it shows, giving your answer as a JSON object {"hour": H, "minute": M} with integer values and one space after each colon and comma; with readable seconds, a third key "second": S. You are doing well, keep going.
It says {"hour": 11, "minute": 23, "second": 22}
